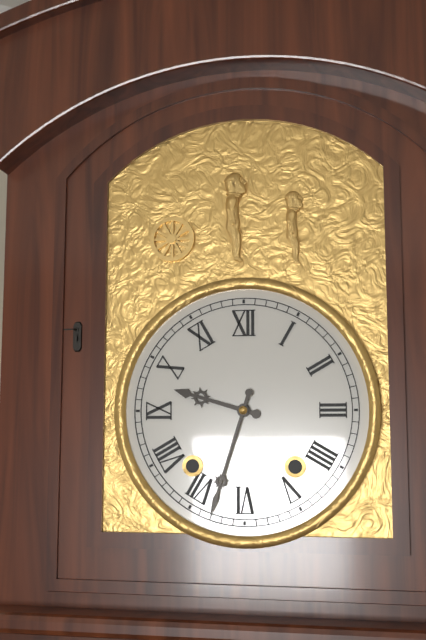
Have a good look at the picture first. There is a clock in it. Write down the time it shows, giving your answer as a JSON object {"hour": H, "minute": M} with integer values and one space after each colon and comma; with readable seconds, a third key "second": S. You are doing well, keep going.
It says {"hour": 9, "minute": 33}
